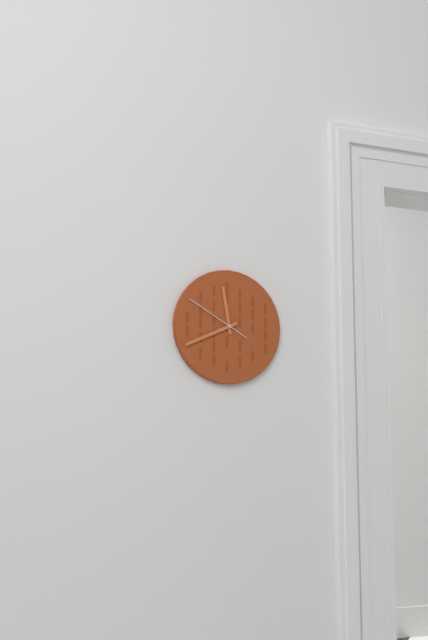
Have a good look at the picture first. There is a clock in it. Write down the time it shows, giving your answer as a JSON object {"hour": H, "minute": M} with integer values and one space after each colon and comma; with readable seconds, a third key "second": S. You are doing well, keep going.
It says {"hour": 11, "minute": 41, "second": 50}
